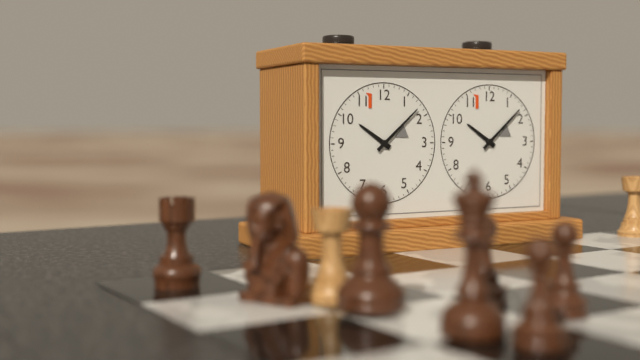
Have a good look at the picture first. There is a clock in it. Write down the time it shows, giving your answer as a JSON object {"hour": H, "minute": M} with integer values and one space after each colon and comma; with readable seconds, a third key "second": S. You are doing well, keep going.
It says {"hour": 10, "minute": 8}
